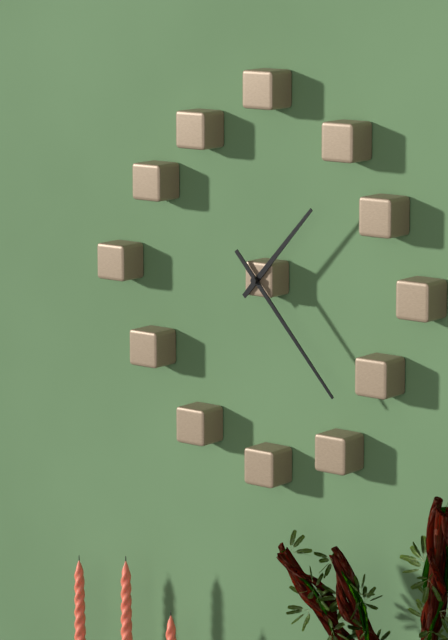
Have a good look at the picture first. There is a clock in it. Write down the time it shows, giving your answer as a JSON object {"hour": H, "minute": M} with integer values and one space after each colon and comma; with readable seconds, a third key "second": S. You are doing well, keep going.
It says {"hour": 1, "minute": 23}
